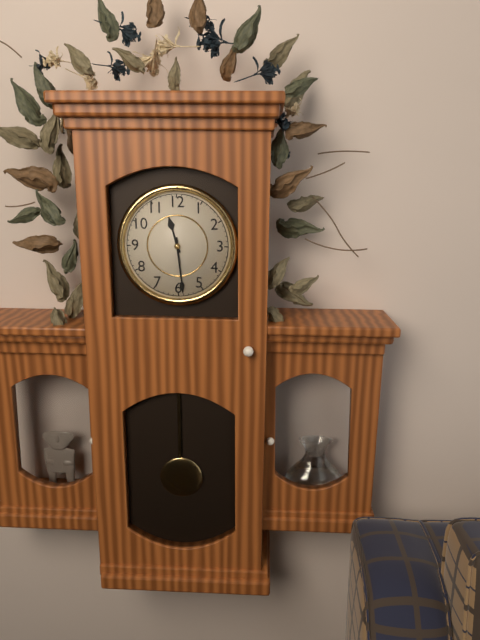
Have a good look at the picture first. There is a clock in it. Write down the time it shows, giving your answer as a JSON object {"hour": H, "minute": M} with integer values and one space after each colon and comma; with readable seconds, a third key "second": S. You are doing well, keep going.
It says {"hour": 11, "minute": 29}
